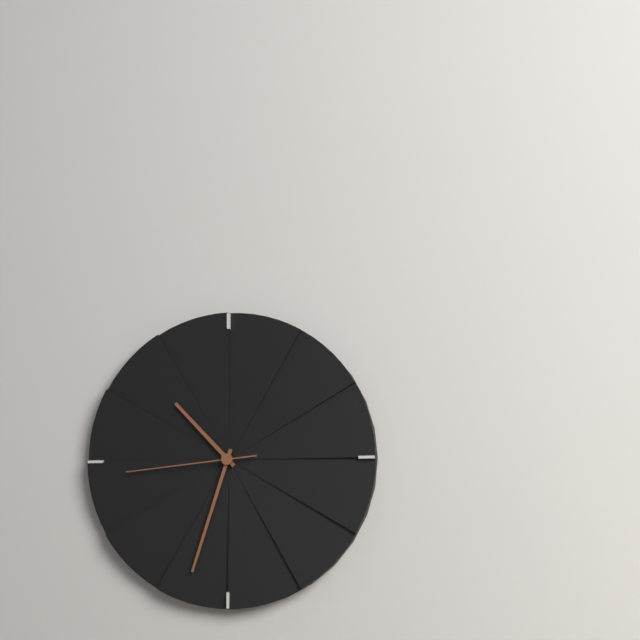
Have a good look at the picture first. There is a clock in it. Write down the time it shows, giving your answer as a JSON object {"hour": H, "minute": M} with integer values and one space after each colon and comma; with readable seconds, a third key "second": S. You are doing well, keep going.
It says {"hour": 10, "minute": 33, "second": 44}
